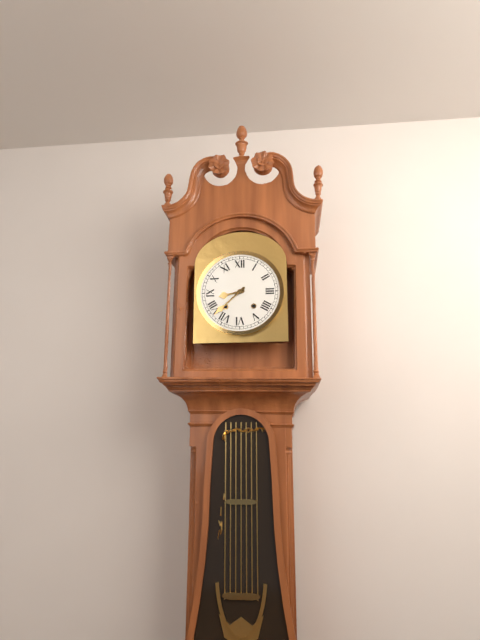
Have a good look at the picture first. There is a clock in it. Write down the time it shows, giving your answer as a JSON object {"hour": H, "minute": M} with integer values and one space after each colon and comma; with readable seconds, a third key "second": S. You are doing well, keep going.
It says {"hour": 8, "minute": 38}
